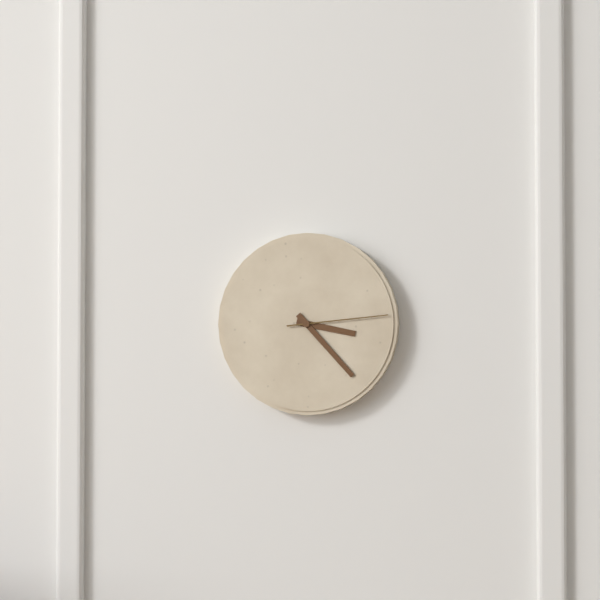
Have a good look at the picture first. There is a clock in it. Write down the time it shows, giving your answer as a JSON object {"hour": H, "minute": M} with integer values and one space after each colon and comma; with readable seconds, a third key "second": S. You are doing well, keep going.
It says {"hour": 3, "minute": 23, "second": 14}
